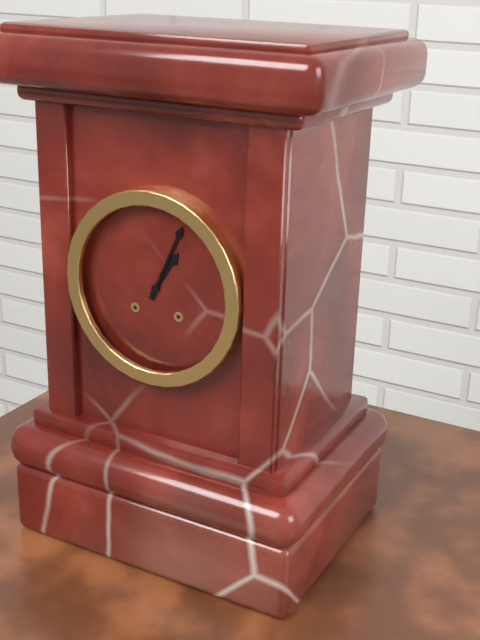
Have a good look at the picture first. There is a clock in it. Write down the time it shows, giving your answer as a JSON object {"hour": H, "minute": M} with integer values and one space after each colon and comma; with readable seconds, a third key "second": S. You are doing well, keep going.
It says {"hour": 1, "minute": 4}
